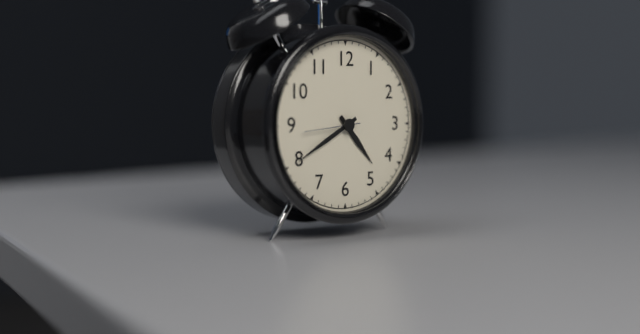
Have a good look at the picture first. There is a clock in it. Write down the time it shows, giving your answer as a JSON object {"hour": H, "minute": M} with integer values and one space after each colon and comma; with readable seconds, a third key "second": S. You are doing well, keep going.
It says {"hour": 4, "minute": 40, "second": 44}
